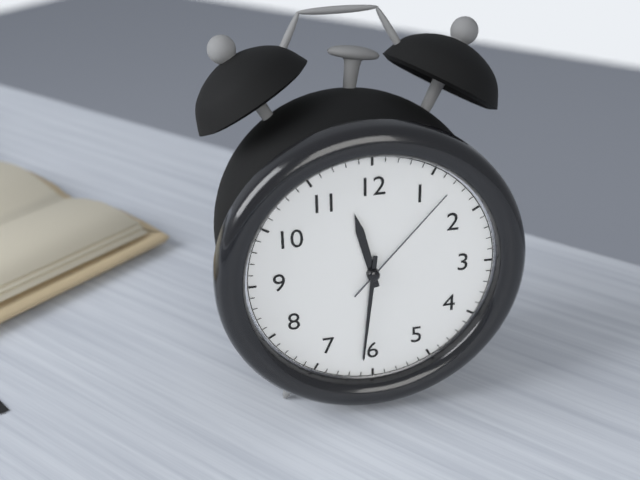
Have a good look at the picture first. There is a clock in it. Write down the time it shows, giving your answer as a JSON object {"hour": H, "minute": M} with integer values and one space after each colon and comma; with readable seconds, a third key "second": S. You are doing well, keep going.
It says {"hour": 11, "minute": 31, "second": 7}
